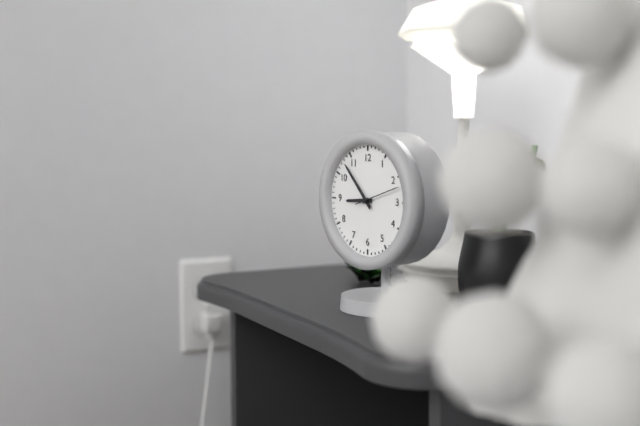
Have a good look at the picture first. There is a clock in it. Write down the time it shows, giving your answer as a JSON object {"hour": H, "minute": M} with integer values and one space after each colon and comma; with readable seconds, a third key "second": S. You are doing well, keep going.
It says {"hour": 8, "minute": 53}
